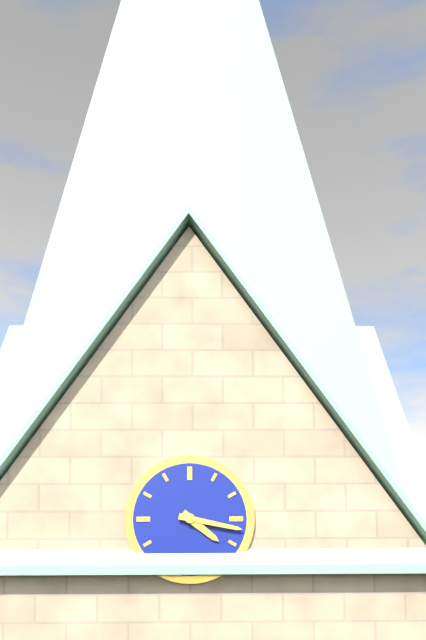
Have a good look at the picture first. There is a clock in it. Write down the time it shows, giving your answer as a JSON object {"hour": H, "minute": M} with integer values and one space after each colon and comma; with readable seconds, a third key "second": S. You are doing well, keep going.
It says {"hour": 4, "minute": 17}
